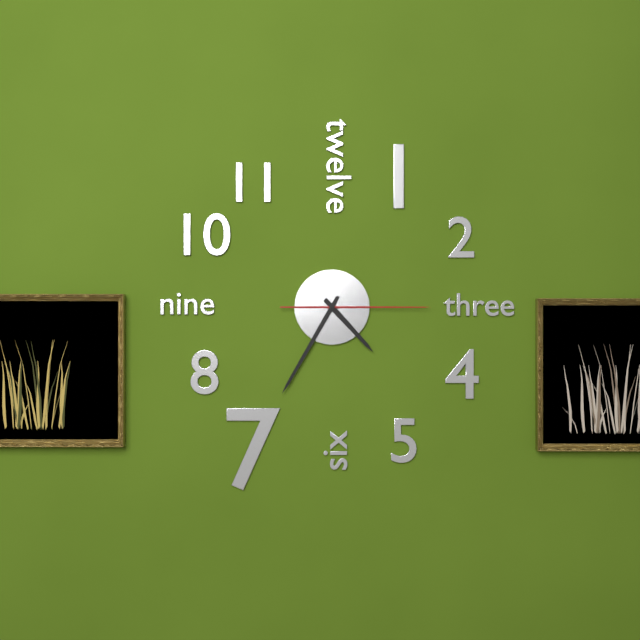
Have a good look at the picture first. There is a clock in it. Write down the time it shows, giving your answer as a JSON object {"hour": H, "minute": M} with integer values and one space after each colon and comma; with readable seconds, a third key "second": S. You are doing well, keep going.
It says {"hour": 4, "minute": 35, "second": 15}
